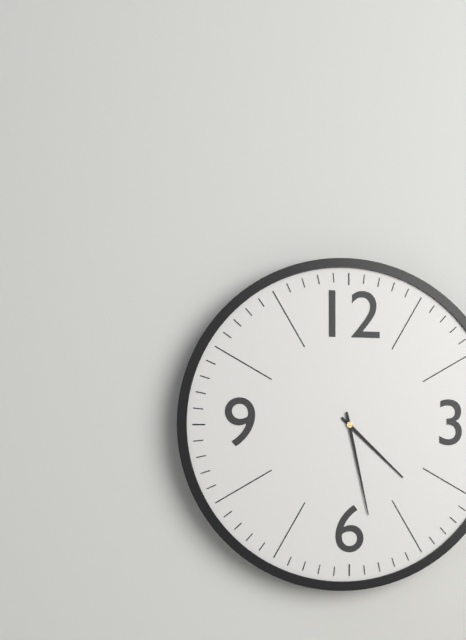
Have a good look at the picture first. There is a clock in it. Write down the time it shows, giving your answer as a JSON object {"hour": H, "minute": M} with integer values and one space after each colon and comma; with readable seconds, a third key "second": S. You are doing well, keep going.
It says {"hour": 4, "minute": 28}
